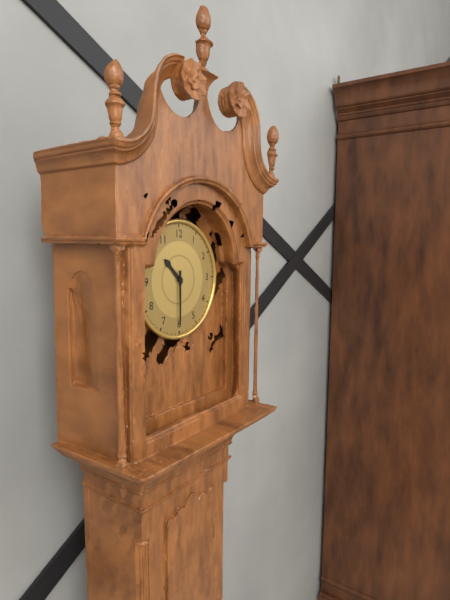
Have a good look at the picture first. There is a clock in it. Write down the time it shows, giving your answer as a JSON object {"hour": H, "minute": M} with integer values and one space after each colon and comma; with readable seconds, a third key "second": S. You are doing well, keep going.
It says {"hour": 10, "minute": 30}
